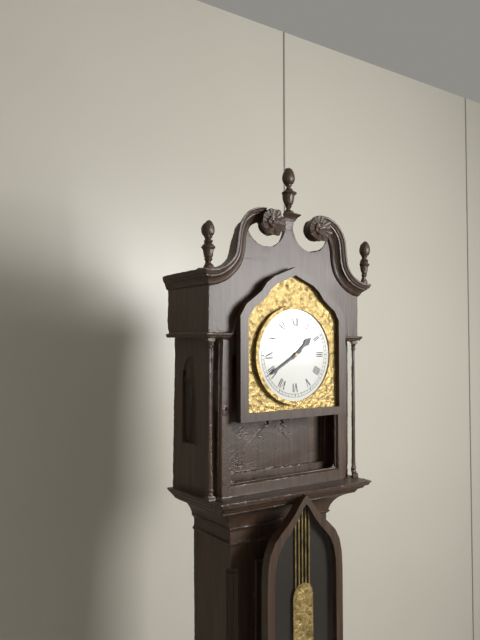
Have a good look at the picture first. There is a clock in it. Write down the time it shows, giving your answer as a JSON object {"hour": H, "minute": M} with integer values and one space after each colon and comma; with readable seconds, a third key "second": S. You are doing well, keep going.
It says {"hour": 1, "minute": 40}
